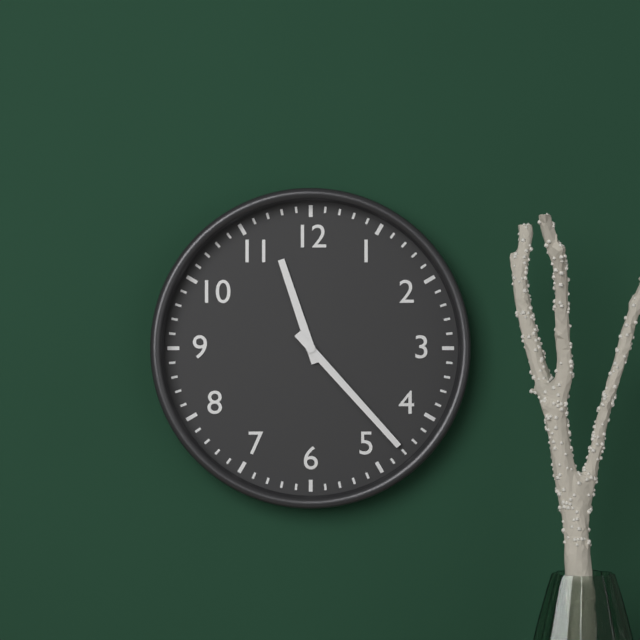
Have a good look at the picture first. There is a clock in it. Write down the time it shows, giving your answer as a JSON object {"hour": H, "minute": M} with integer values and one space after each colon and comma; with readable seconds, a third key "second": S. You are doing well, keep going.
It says {"hour": 11, "minute": 23}
